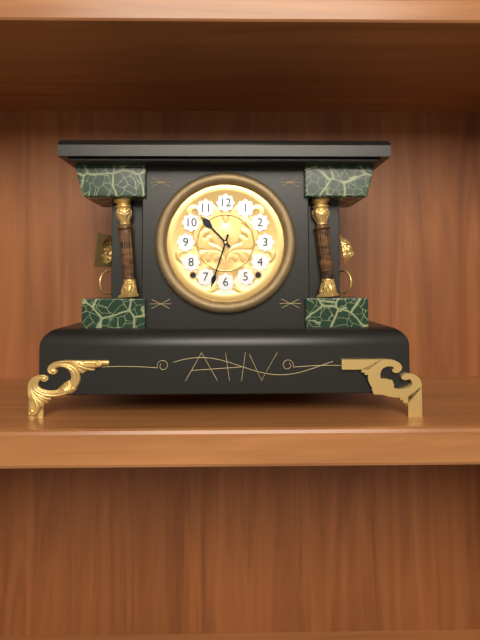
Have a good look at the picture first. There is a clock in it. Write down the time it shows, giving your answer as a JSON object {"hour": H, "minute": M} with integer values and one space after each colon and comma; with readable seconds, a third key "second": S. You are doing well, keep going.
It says {"hour": 10, "minute": 33}
